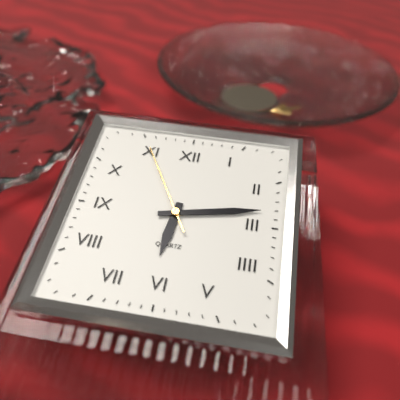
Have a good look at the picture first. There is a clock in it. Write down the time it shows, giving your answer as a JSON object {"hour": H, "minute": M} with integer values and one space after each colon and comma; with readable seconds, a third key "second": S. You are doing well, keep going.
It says {"hour": 6, "minute": 13, "second": 55}
